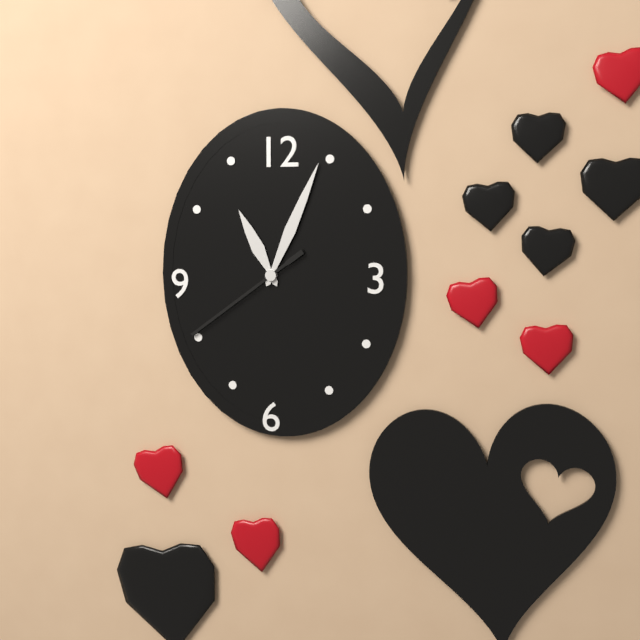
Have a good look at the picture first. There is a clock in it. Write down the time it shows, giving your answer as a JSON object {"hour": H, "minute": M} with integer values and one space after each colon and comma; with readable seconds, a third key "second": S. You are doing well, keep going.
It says {"hour": 11, "minute": 4, "second": 39}
